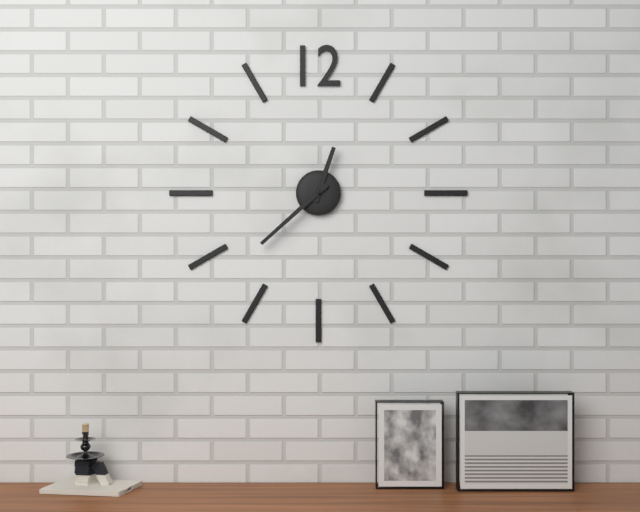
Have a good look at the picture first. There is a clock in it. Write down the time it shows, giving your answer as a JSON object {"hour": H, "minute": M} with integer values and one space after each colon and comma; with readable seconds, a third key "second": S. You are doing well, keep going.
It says {"hour": 12, "minute": 38}
